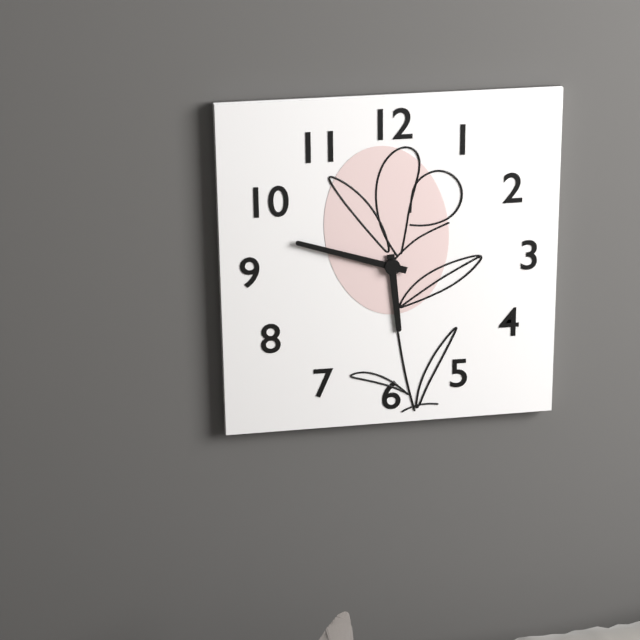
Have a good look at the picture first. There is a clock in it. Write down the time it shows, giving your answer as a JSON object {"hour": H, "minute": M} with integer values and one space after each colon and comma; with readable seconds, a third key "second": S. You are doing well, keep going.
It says {"hour": 5, "minute": 48}
